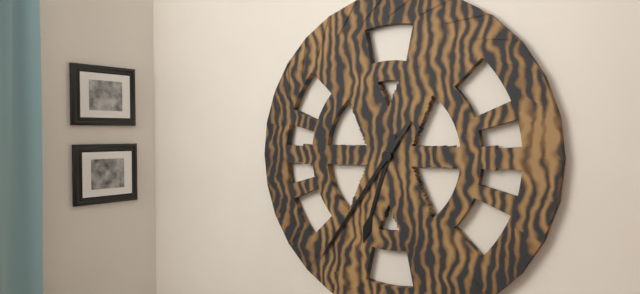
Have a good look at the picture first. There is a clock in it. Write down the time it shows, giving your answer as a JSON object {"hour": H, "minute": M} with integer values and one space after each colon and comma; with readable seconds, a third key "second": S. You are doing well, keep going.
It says {"hour": 6, "minute": 36}
